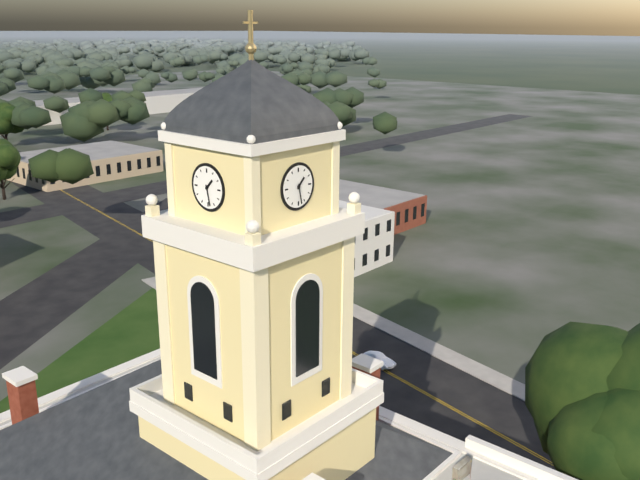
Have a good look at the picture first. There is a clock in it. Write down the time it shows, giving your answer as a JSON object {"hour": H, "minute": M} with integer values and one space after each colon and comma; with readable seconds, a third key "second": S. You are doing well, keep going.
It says {"hour": 1, "minute": 28}
